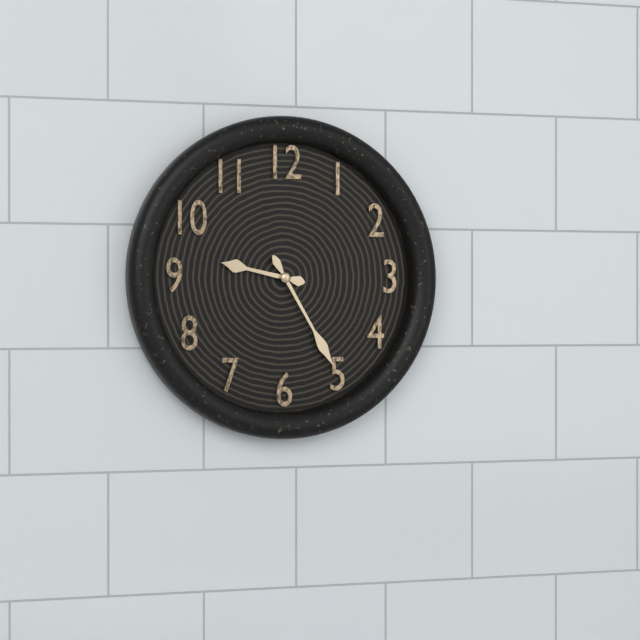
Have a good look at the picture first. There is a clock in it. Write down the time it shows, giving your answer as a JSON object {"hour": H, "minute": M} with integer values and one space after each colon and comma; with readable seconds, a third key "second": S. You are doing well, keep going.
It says {"hour": 9, "minute": 25}
